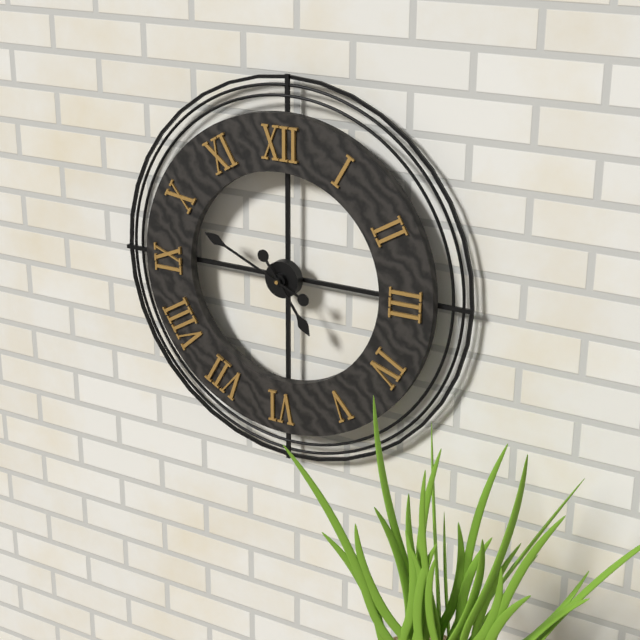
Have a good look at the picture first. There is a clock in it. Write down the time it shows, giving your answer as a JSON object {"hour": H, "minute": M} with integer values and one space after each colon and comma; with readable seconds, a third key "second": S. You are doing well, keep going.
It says {"hour": 4, "minute": 49}
